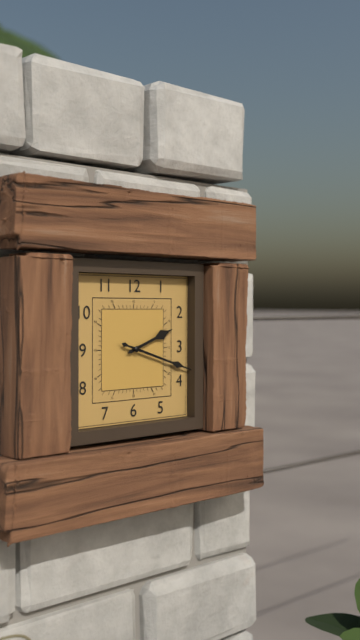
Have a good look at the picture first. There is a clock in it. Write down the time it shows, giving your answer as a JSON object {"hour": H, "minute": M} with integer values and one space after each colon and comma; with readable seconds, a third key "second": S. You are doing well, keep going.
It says {"hour": 2, "minute": 18}
